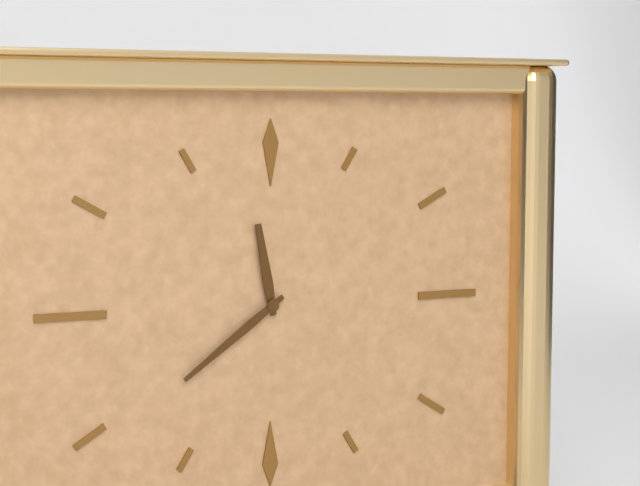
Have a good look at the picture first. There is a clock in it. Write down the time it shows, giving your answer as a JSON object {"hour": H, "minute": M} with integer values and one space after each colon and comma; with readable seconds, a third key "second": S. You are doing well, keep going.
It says {"hour": 11, "minute": 39}
